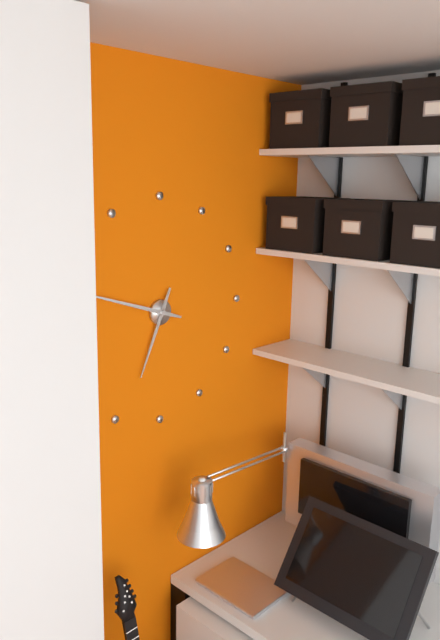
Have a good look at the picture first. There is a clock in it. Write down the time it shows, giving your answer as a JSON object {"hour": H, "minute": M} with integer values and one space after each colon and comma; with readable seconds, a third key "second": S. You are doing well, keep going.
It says {"hour": 6, "minute": 48}
